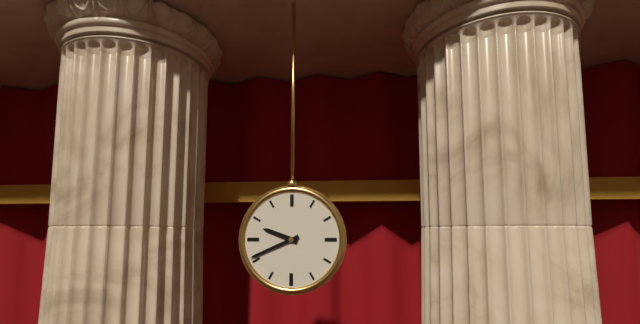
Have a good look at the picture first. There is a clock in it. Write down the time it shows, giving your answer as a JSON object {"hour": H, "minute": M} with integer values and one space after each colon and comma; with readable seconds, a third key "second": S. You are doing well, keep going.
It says {"hour": 9, "minute": 41}
